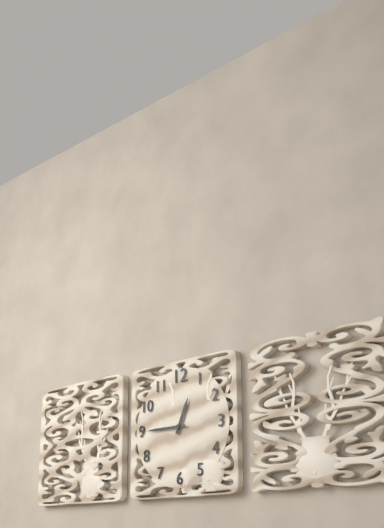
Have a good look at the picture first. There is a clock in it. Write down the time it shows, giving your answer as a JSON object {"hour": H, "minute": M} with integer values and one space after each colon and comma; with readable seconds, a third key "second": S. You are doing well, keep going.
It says {"hour": 12, "minute": 45}
